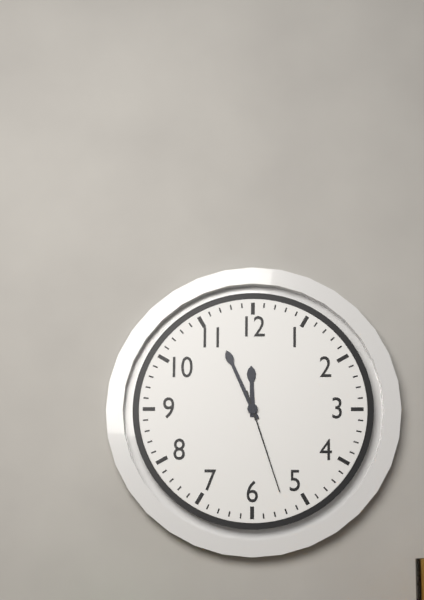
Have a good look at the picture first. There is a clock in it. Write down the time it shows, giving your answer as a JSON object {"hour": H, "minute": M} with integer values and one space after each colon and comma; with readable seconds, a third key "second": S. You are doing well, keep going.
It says {"hour": 11, "minute": 56, "second": 27}
